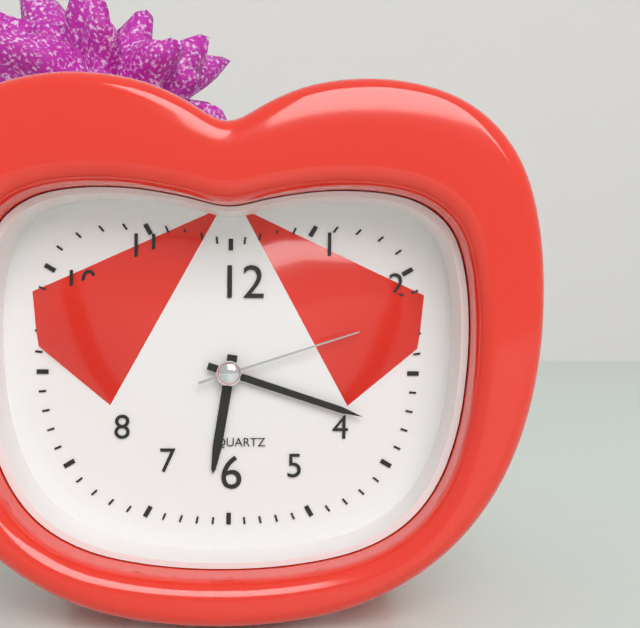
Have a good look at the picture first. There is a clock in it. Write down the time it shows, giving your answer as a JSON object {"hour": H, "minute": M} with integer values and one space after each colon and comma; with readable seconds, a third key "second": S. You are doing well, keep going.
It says {"hour": 6, "minute": 18, "second": 12}
